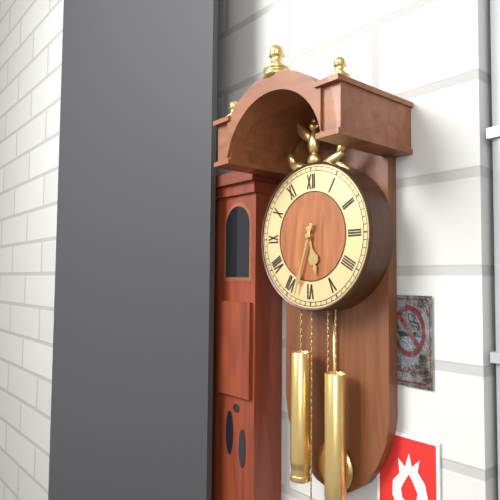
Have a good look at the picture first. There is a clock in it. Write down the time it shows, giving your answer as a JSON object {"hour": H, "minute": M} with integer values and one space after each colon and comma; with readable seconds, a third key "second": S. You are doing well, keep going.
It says {"hour": 5, "minute": 33}
